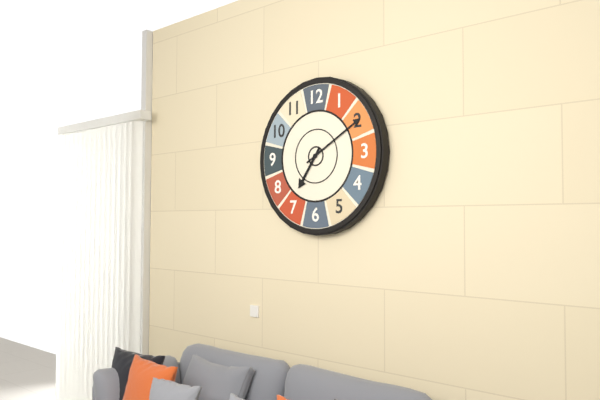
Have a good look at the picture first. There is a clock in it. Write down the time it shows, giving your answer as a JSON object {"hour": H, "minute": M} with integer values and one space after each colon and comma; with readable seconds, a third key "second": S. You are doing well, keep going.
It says {"hour": 7, "minute": 10}
